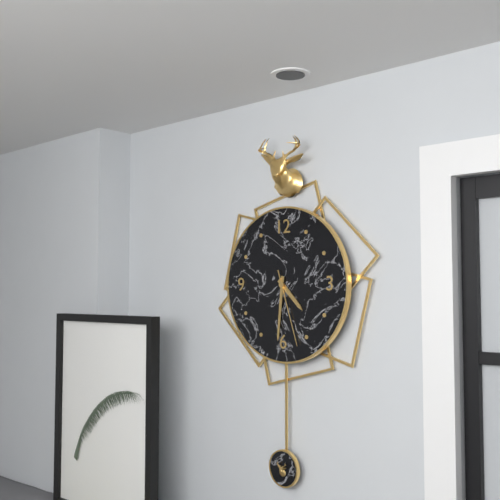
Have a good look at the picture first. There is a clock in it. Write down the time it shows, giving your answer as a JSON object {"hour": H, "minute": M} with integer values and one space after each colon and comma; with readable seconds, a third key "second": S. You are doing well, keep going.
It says {"hour": 4, "minute": 31, "second": 27}
